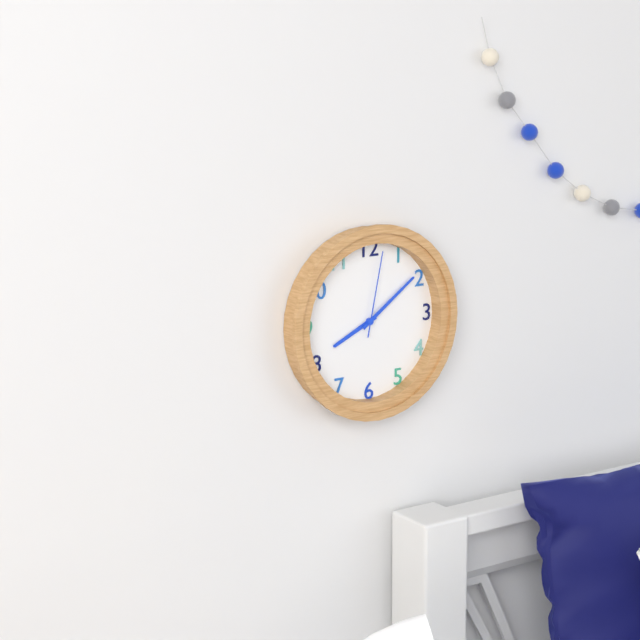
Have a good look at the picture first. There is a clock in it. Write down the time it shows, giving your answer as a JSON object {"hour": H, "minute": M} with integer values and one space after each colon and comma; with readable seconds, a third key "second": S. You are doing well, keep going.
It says {"hour": 8, "minute": 9, "second": 2}
